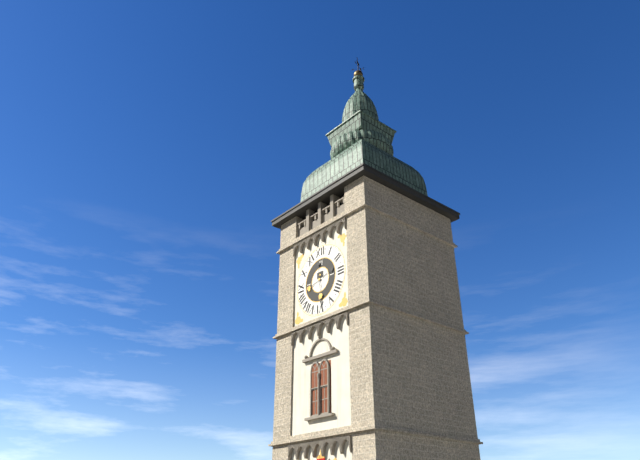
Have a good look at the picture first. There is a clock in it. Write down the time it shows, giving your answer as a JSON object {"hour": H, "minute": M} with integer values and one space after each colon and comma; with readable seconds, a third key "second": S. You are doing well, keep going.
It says {"hour": 8, "minute": 29}
